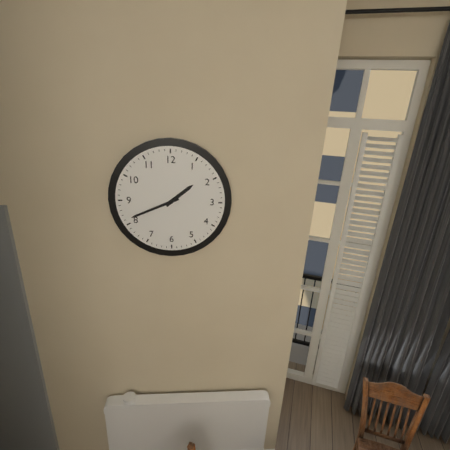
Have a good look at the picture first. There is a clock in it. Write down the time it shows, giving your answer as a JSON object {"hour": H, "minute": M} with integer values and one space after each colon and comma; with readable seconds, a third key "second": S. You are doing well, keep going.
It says {"hour": 1, "minute": 41}
